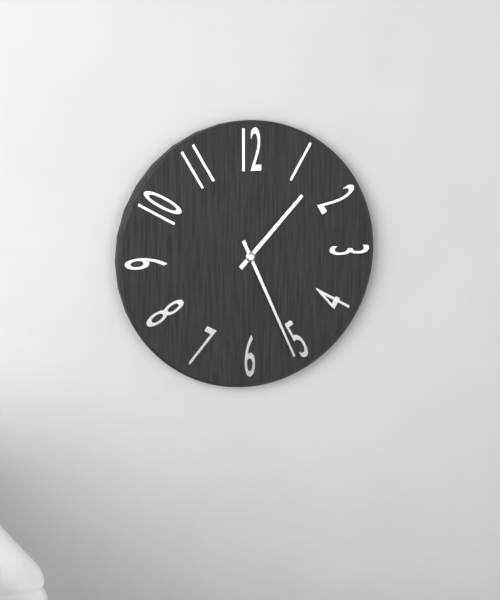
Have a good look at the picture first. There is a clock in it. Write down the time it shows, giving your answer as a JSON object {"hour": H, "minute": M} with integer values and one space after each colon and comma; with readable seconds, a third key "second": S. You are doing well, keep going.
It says {"hour": 1, "minute": 26}
